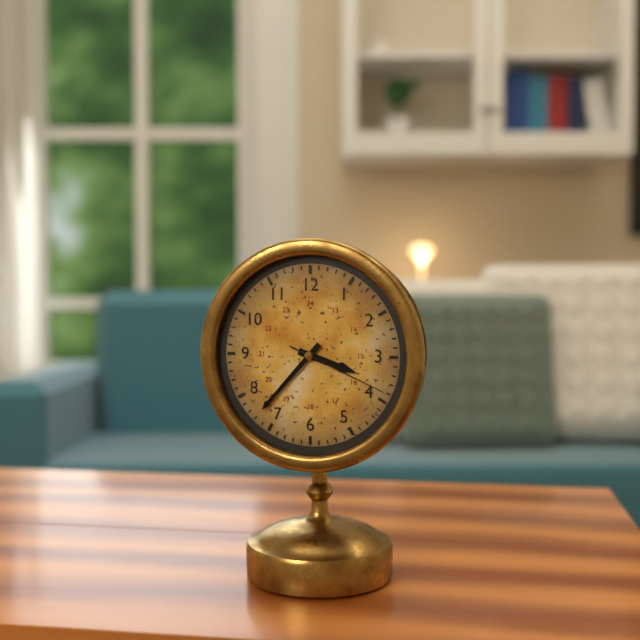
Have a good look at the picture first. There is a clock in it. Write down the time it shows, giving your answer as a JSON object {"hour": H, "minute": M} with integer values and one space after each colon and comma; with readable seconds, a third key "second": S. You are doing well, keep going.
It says {"hour": 3, "minute": 37, "second": 19}
